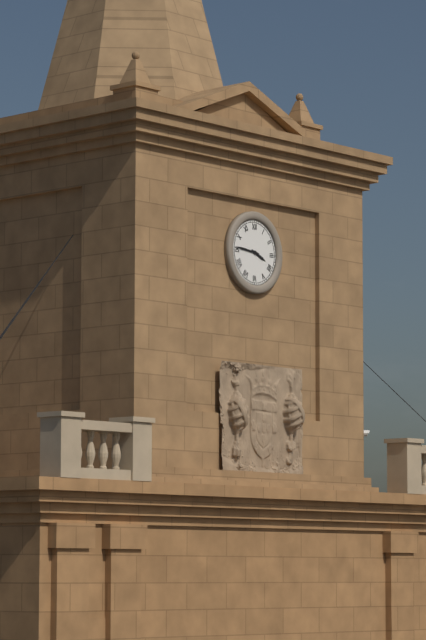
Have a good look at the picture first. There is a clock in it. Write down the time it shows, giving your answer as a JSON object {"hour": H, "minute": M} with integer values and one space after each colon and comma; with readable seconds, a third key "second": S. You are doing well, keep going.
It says {"hour": 3, "minute": 46}
